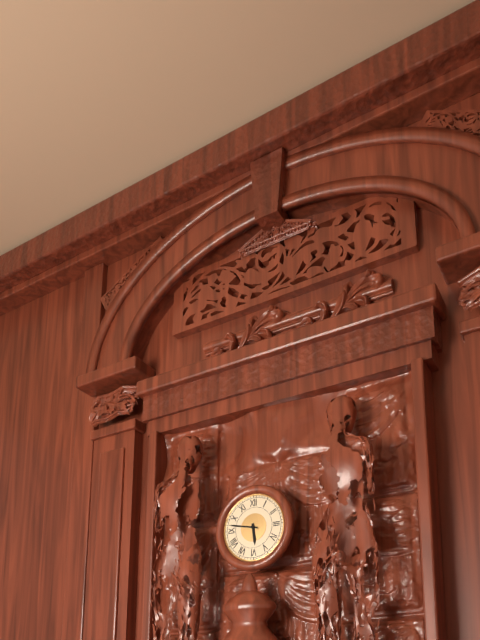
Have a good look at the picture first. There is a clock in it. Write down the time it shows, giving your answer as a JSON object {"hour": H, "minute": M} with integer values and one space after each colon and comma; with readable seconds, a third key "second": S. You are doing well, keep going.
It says {"hour": 5, "minute": 47}
